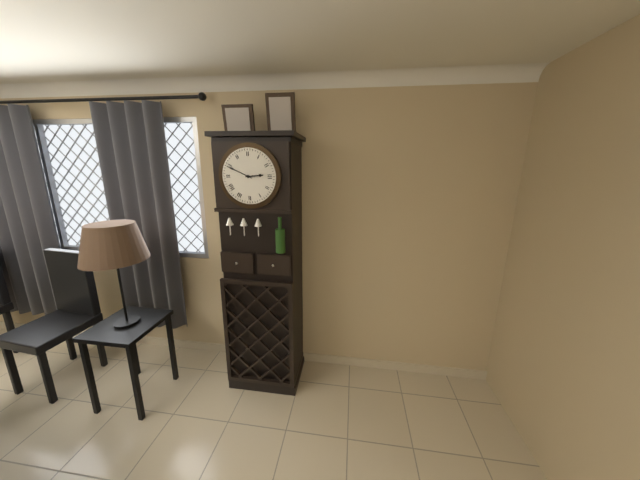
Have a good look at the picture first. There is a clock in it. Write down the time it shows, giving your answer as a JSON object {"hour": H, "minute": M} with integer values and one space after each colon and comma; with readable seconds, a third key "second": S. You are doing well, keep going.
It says {"hour": 2, "minute": 49}
